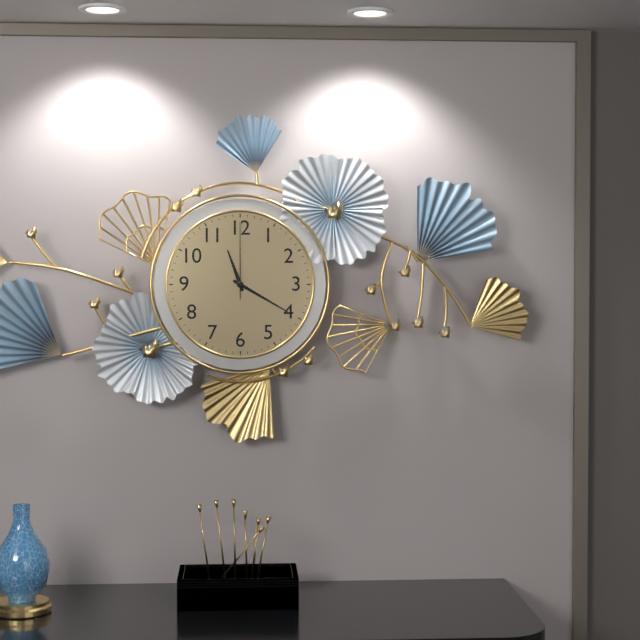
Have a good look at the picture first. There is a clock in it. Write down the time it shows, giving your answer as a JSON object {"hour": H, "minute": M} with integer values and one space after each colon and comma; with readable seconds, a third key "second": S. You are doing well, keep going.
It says {"hour": 11, "minute": 20, "second": 0}
